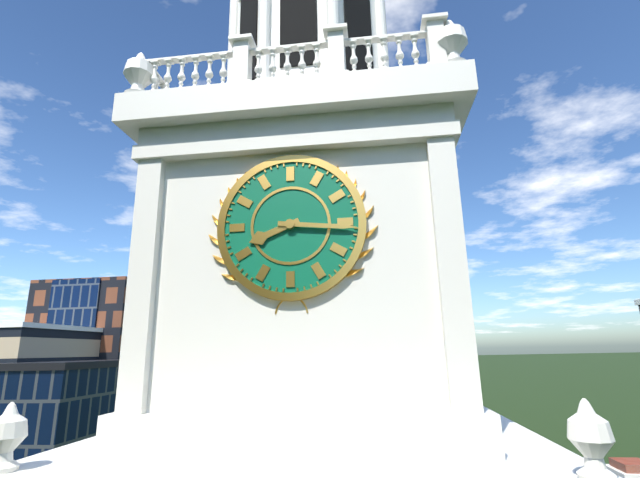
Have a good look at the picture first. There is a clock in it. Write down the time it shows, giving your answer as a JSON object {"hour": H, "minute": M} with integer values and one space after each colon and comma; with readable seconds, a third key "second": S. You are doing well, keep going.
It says {"hour": 8, "minute": 16}
